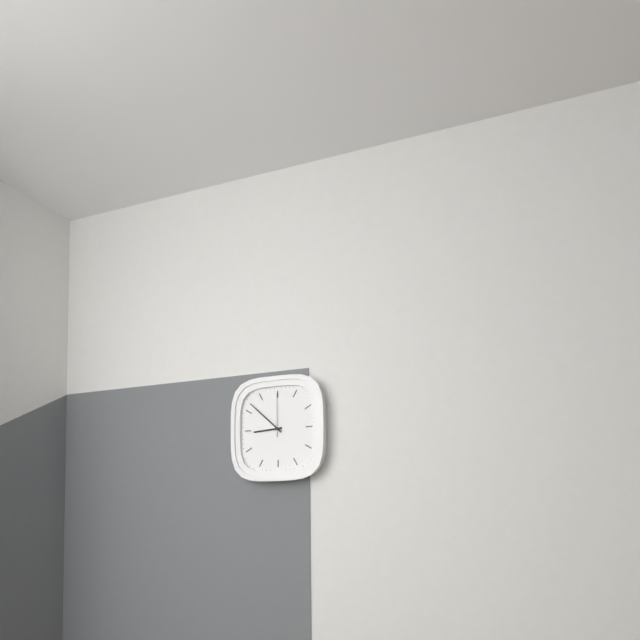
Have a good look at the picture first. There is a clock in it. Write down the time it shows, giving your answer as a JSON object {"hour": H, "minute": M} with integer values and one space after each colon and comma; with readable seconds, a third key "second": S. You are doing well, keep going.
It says {"hour": 8, "minute": 52}
